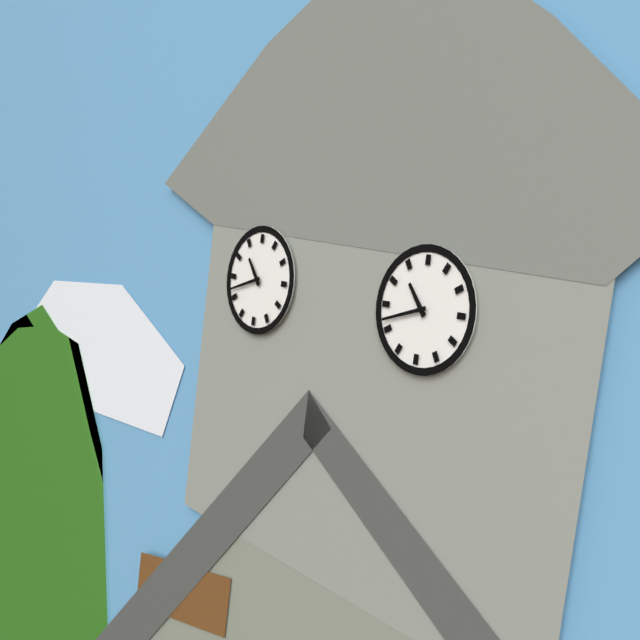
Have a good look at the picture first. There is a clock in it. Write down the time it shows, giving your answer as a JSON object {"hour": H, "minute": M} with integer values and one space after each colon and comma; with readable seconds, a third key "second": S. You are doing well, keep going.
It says {"hour": 10, "minute": 42}
